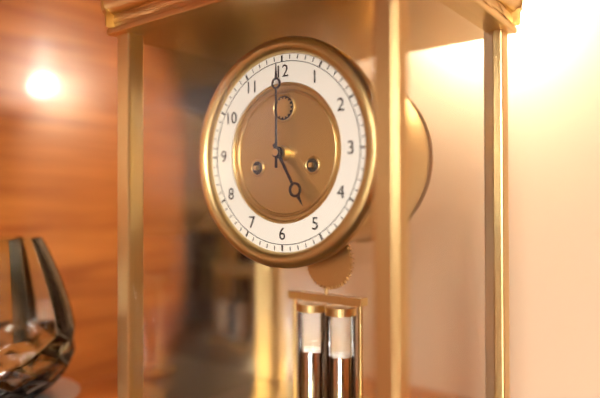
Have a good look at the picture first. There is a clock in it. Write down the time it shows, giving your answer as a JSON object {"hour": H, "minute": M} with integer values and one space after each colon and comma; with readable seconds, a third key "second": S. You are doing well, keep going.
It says {"hour": 5, "minute": 0}
